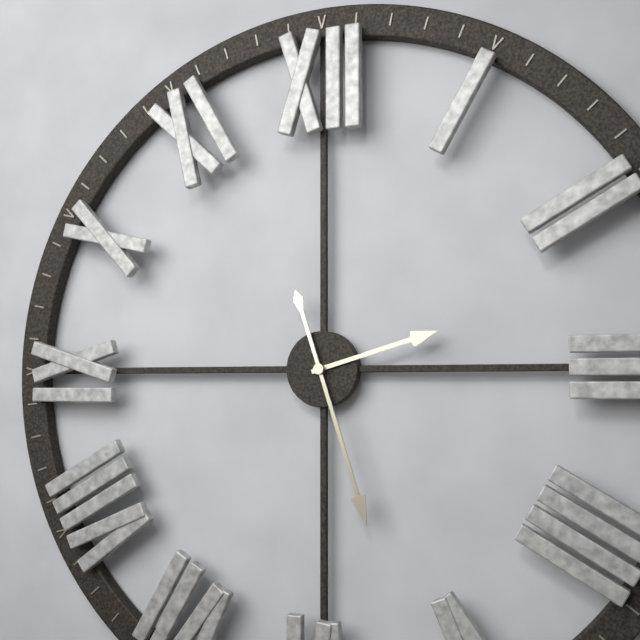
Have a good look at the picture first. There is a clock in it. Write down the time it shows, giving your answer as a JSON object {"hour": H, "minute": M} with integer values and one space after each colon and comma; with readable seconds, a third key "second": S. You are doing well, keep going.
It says {"hour": 2, "minute": 27}
